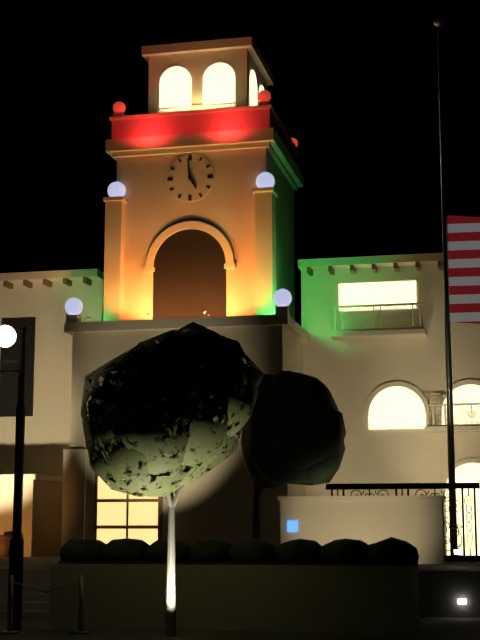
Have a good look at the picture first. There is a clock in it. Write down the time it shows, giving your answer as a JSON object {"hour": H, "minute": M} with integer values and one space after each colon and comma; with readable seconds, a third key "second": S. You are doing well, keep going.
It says {"hour": 4, "minute": 59}
